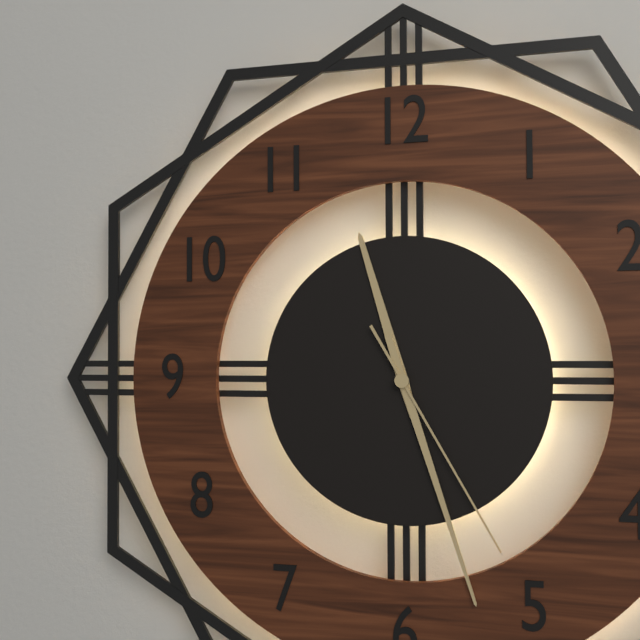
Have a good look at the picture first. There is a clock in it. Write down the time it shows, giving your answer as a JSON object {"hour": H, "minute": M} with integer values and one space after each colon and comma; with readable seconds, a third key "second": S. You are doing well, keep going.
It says {"hour": 11, "minute": 27, "second": 25}
